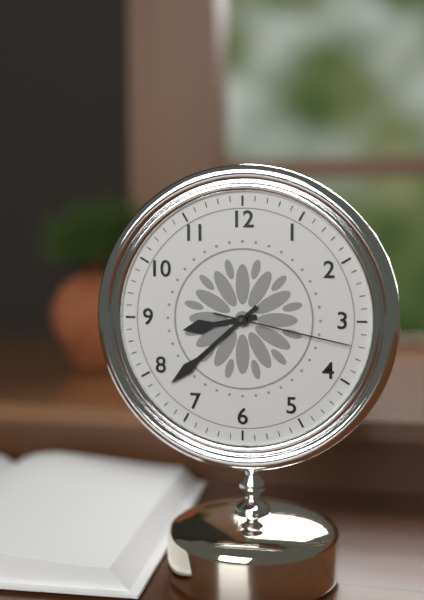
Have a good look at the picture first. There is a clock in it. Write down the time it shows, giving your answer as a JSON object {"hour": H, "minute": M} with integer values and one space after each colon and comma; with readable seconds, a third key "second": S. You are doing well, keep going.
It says {"hour": 8, "minute": 38, "second": 17}
